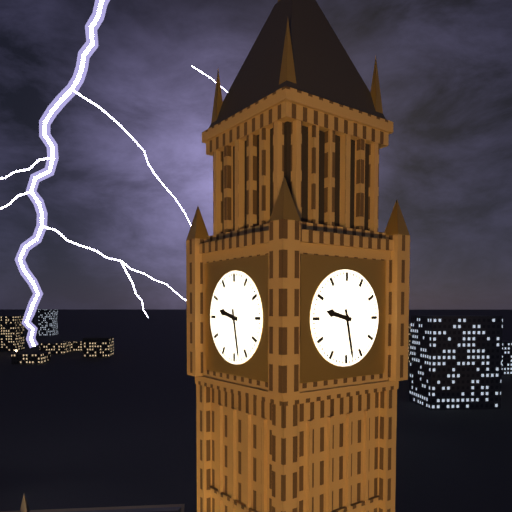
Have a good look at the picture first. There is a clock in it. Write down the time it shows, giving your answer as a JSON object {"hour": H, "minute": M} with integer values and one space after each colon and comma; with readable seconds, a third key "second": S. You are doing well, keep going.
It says {"hour": 9, "minute": 28}
